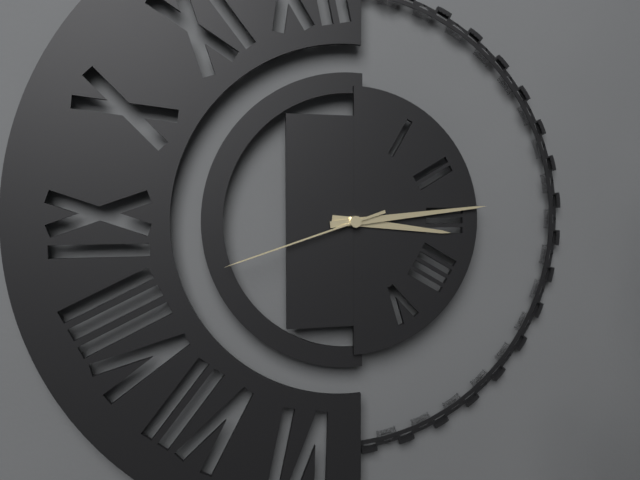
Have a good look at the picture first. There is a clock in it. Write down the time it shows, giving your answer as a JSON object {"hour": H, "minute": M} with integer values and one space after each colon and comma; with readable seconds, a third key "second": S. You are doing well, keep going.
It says {"hour": 3, "minute": 14, "second": 42}
